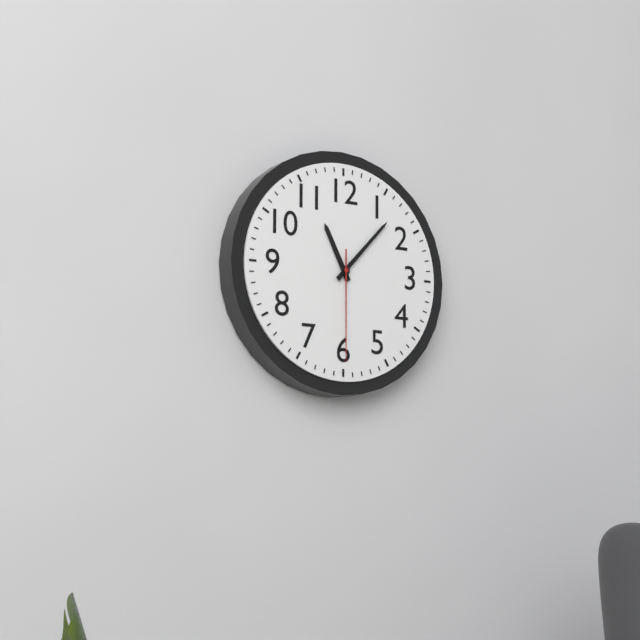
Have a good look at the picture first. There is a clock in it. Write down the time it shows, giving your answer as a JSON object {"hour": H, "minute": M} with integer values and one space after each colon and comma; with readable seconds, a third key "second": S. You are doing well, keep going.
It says {"hour": 11, "minute": 7, "second": 30}
